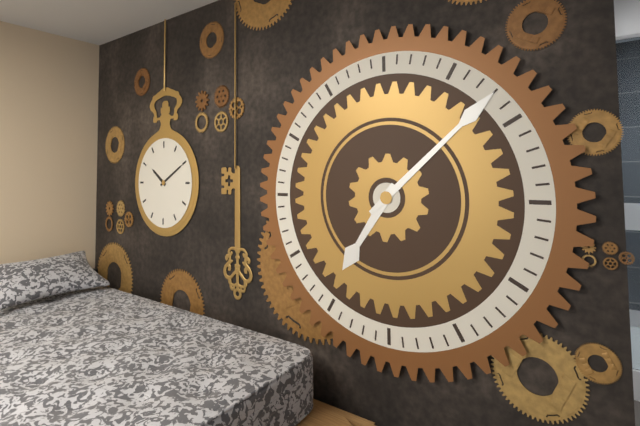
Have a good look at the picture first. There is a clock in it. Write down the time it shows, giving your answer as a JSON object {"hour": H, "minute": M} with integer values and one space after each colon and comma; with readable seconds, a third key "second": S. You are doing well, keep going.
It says {"hour": 7, "minute": 8}
